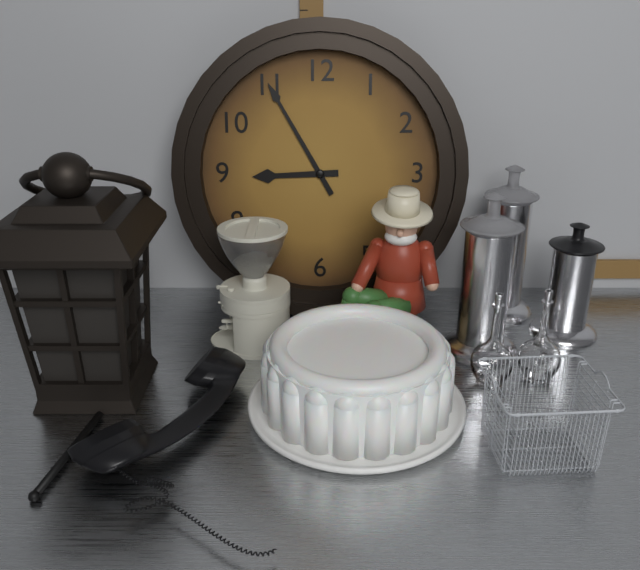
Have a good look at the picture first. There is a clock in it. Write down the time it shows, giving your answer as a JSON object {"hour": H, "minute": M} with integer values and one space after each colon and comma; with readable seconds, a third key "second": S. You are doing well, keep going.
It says {"hour": 8, "minute": 55}
